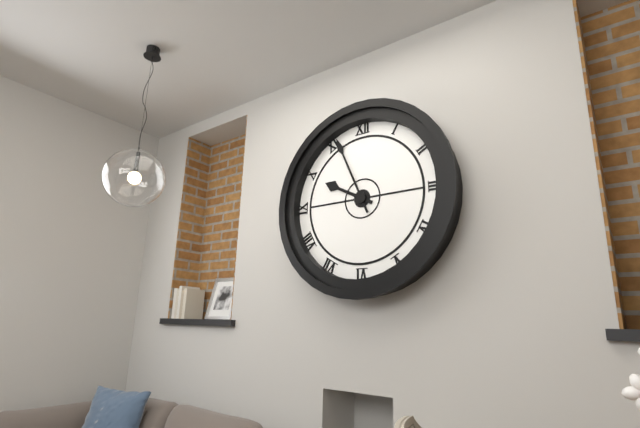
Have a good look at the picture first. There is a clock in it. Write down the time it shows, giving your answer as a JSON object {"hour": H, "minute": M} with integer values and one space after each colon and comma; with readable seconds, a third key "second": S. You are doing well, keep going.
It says {"hour": 9, "minute": 56}
